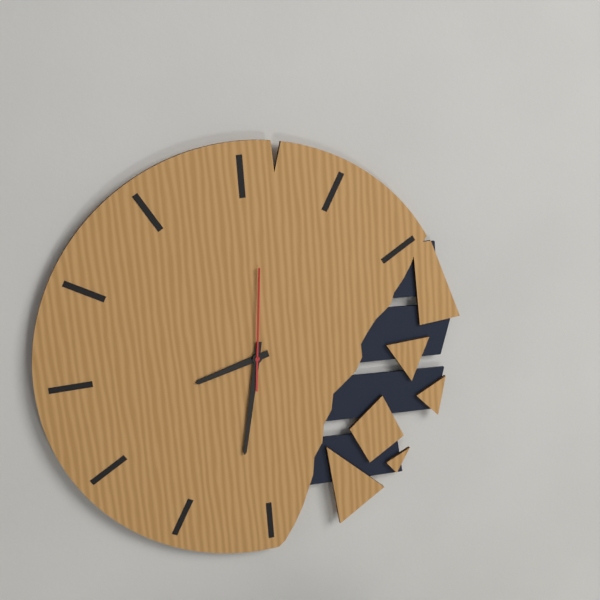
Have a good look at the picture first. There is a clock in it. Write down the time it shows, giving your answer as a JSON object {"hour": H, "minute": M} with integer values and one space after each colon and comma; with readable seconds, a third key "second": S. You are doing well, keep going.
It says {"hour": 8, "minute": 32, "second": 1}
